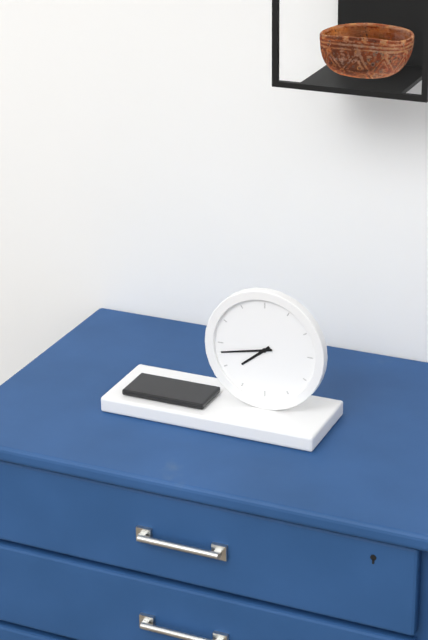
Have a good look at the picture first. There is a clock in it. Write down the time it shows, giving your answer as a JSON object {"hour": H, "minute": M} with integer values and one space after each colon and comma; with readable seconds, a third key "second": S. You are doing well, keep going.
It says {"hour": 7, "minute": 43}
